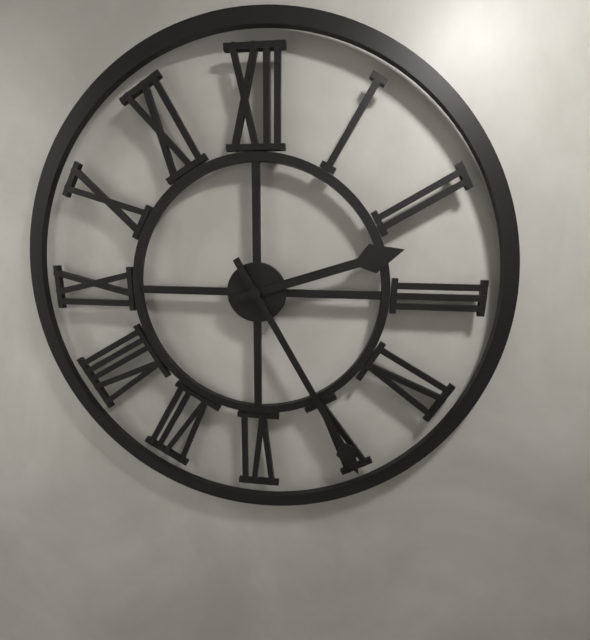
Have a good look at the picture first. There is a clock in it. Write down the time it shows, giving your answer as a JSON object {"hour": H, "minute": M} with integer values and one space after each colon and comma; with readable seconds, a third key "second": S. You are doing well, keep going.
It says {"hour": 2, "minute": 25}
